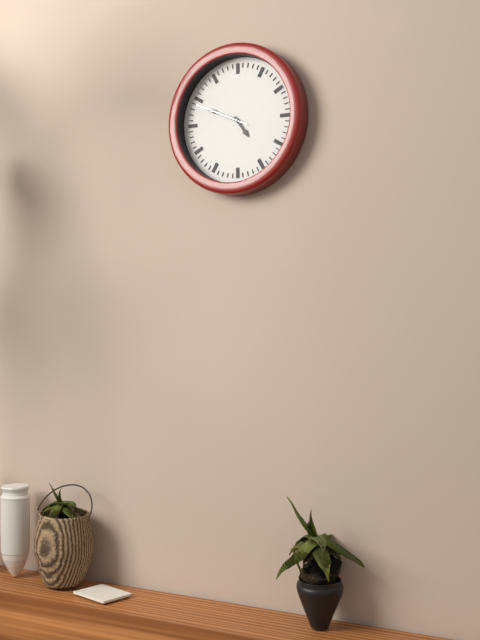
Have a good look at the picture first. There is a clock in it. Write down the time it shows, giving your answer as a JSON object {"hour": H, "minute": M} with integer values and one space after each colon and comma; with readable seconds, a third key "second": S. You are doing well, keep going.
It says {"hour": 4, "minute": 49, "second": 49}
